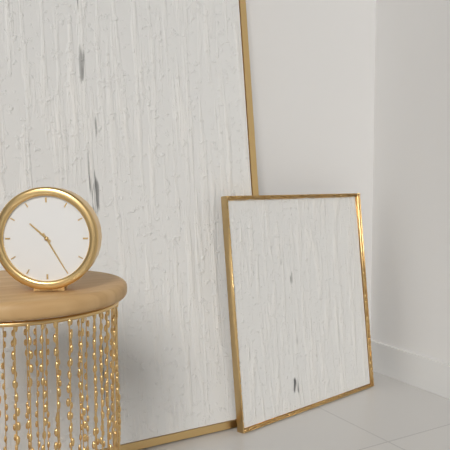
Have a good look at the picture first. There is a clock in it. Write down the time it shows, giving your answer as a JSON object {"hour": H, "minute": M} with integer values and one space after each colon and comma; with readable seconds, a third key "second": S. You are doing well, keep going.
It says {"hour": 10, "minute": 25}
